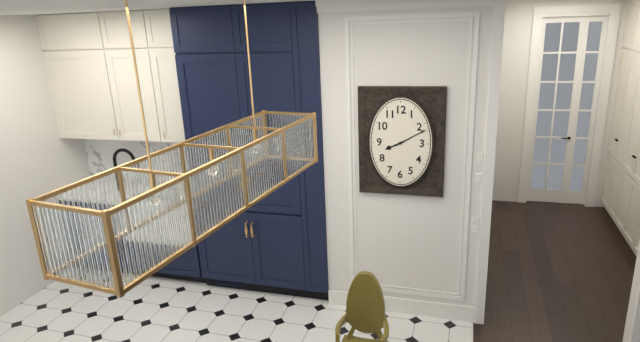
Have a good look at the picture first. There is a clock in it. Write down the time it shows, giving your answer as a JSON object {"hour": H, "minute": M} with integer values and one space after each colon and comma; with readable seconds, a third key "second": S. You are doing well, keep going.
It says {"hour": 8, "minute": 10}
